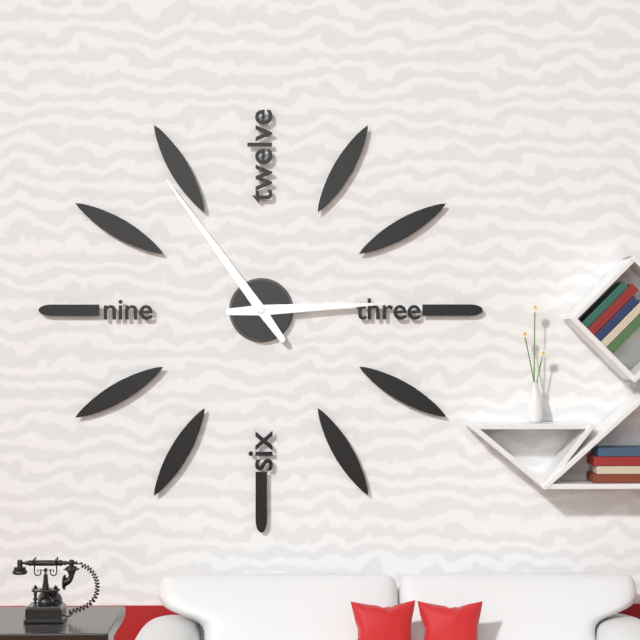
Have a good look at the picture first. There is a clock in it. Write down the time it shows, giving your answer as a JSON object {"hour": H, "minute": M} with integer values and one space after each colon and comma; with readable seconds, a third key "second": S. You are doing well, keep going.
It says {"hour": 2, "minute": 54}
